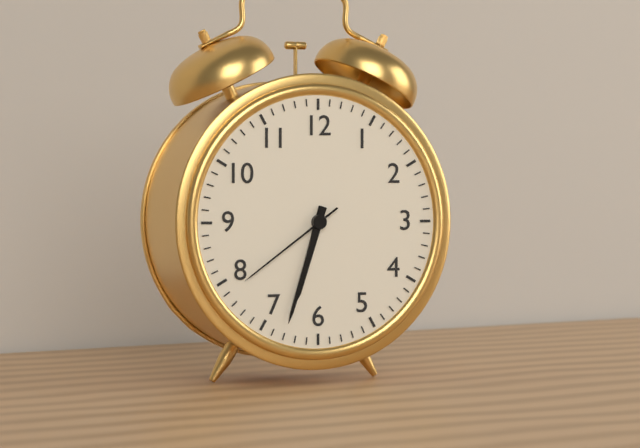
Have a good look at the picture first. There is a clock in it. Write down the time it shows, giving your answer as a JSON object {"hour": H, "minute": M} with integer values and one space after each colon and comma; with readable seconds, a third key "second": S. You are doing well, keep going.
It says {"hour": 6, "minute": 33, "second": 39}
